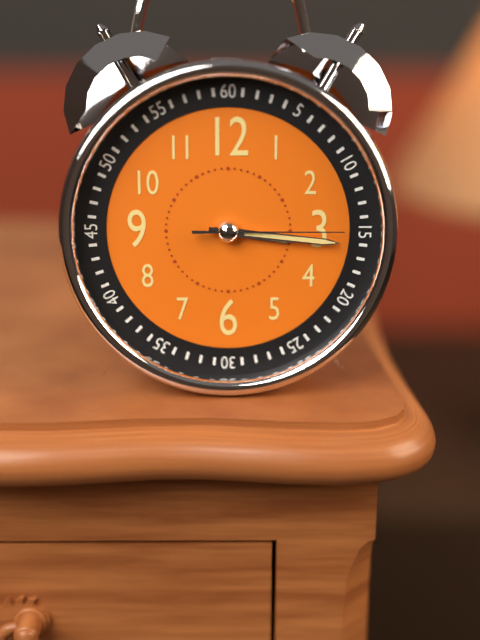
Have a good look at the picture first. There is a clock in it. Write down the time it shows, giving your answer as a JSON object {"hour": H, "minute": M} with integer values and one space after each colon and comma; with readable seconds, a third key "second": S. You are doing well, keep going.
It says {"hour": 3, "minute": 16, "second": 15}
